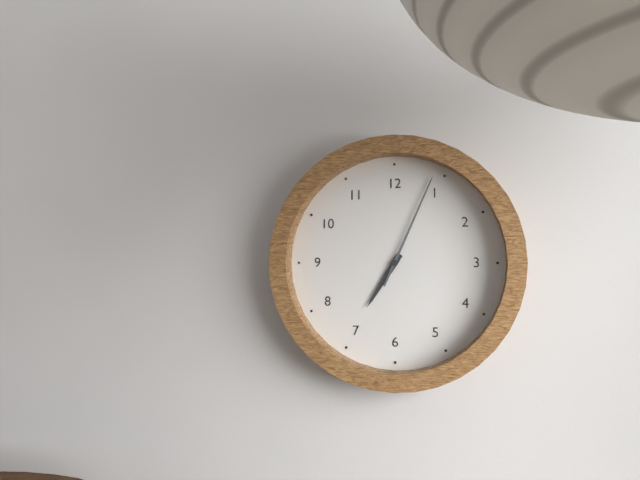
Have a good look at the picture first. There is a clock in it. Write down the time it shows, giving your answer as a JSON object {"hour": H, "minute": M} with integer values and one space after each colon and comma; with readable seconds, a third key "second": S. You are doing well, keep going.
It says {"hour": 7, "minute": 4}
